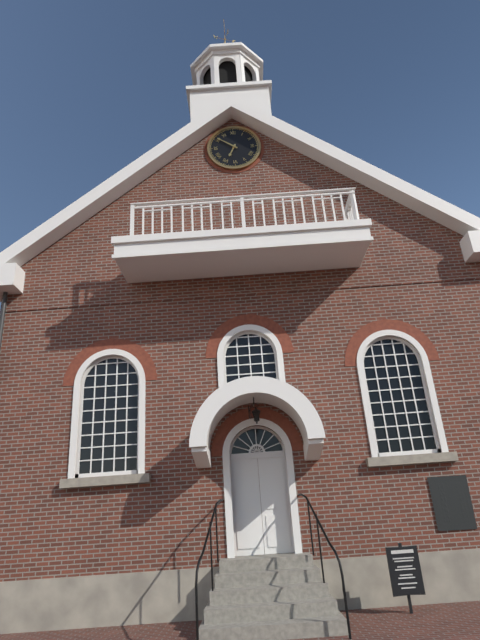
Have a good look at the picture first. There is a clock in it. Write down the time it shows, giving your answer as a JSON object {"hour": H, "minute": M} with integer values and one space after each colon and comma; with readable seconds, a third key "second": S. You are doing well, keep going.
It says {"hour": 6, "minute": 51}
